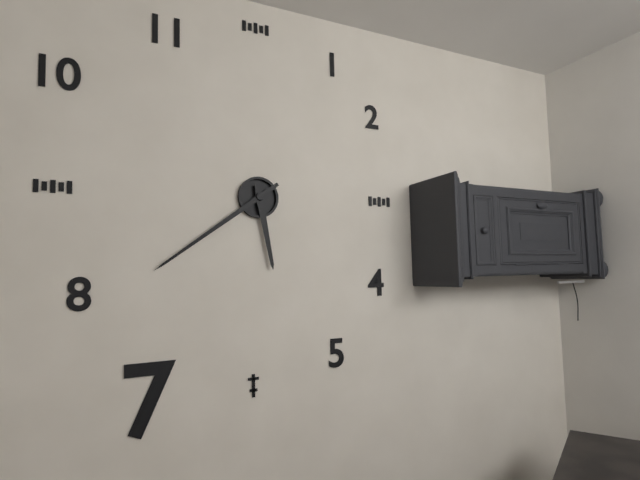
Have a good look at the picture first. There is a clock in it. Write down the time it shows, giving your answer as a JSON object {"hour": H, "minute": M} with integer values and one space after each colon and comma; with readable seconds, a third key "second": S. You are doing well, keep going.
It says {"hour": 5, "minute": 39}
